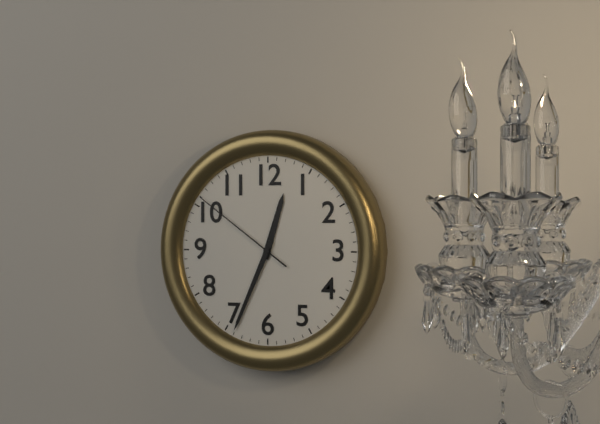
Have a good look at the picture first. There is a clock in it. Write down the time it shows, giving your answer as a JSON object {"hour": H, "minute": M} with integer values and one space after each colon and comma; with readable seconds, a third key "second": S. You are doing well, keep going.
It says {"hour": 12, "minute": 34, "second": 51}
